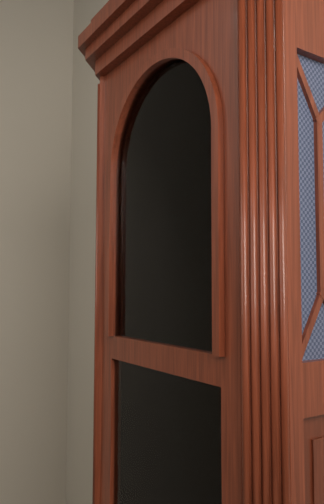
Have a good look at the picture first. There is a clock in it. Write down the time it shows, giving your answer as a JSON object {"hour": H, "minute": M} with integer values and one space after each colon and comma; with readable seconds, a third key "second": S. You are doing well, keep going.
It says {"hour": 5, "minute": 57}
